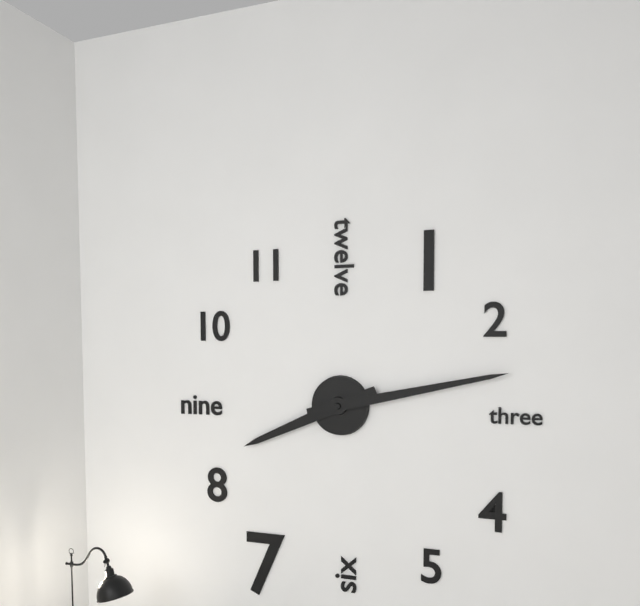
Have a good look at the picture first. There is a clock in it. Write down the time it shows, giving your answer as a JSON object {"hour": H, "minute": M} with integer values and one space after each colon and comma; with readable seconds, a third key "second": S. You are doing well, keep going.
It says {"hour": 8, "minute": 13}
